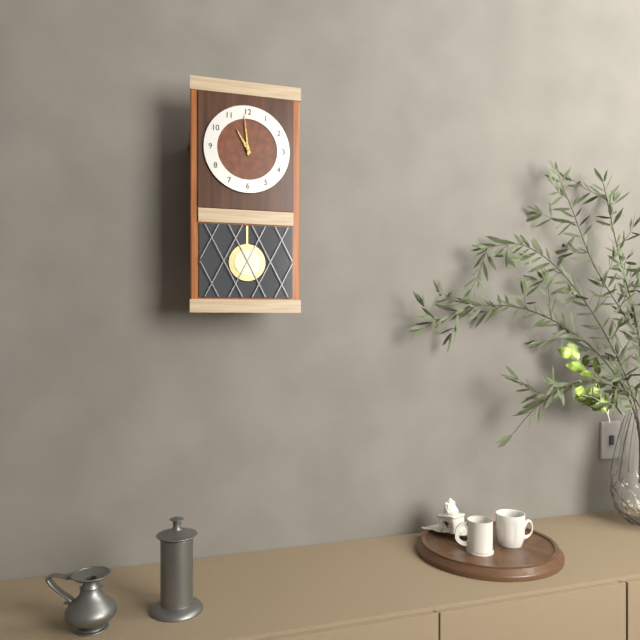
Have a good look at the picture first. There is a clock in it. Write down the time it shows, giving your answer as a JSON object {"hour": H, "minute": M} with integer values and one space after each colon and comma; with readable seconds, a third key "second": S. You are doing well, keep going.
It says {"hour": 10, "minute": 59}
